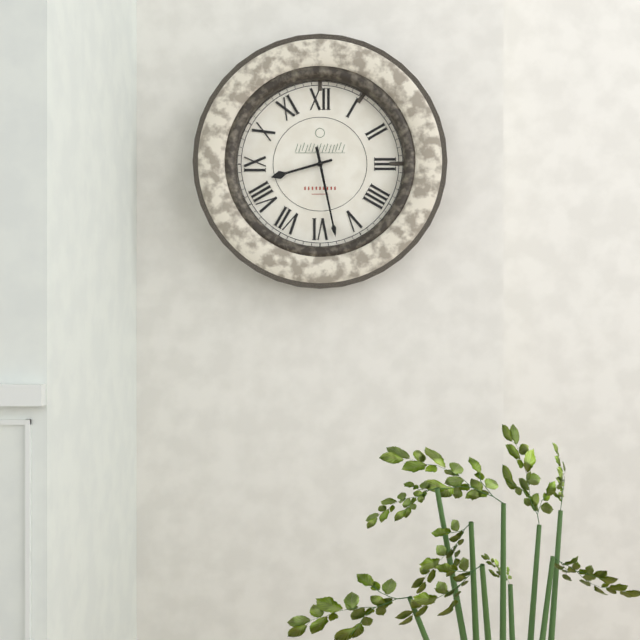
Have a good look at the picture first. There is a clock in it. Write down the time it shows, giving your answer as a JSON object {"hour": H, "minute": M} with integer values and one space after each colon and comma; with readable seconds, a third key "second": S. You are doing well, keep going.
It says {"hour": 8, "minute": 28}
